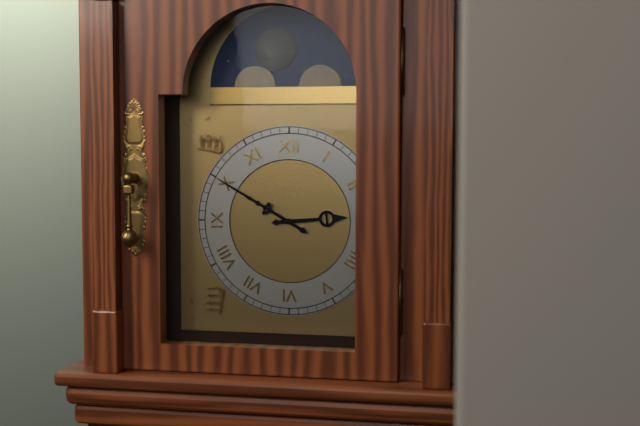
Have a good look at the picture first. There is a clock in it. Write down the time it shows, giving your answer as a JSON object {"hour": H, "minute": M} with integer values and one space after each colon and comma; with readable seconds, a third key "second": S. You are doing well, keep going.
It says {"hour": 2, "minute": 50}
